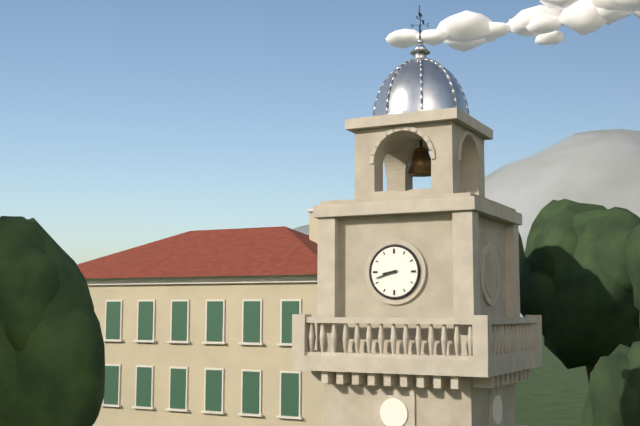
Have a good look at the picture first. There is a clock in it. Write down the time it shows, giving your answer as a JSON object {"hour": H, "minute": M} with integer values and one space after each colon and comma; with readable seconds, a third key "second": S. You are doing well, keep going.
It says {"hour": 8, "minute": 42}
